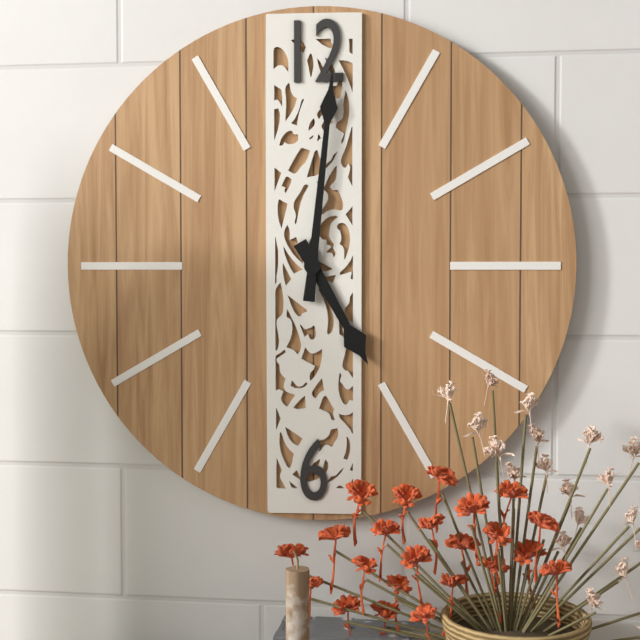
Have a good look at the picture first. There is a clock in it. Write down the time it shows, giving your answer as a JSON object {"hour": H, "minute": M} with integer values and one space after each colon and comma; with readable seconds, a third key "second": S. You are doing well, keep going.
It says {"hour": 5, "minute": 1}
